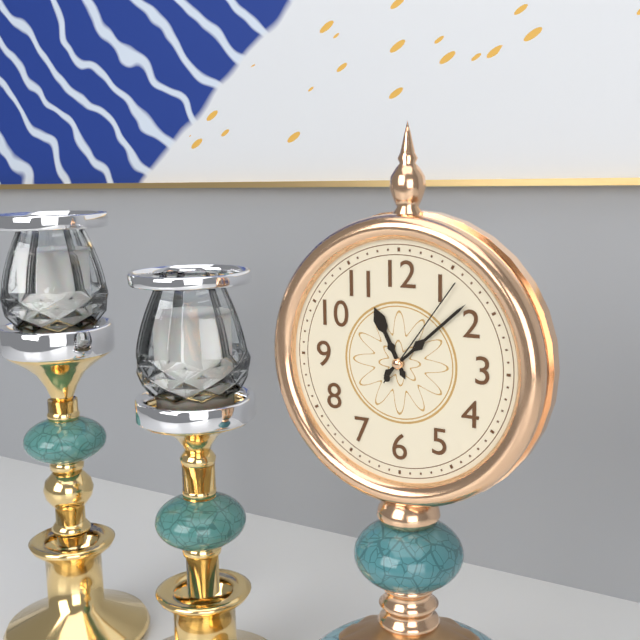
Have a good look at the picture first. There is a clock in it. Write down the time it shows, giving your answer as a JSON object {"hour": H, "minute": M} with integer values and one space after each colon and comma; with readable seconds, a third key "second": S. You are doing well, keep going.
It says {"hour": 11, "minute": 8, "second": 6}
